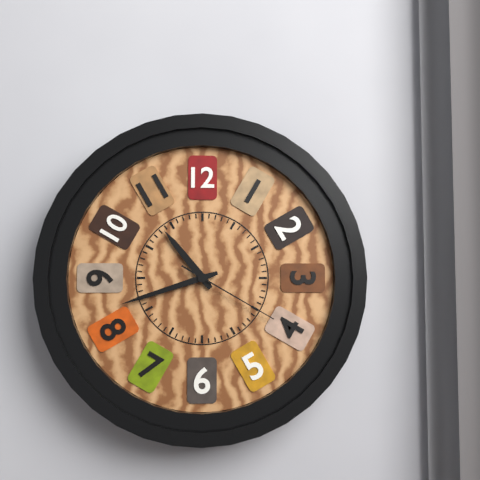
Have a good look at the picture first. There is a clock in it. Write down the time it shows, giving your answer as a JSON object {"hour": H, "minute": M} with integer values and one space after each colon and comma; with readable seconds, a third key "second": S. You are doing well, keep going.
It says {"hour": 10, "minute": 42, "second": 20}
